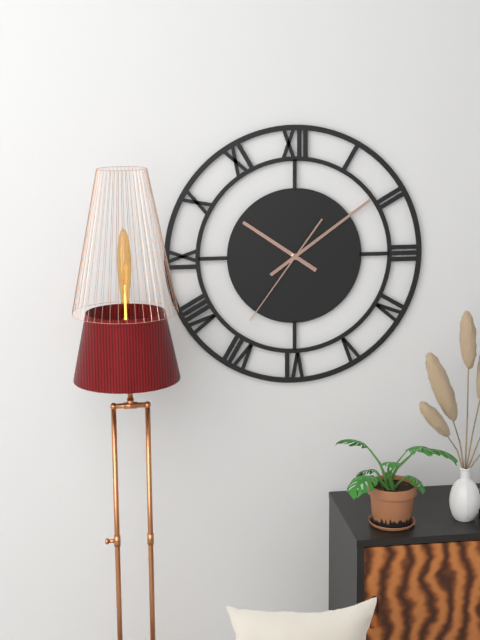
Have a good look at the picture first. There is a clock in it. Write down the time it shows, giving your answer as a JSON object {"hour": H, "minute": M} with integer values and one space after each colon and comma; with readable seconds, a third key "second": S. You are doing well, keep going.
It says {"hour": 10, "minute": 9, "second": 36}
